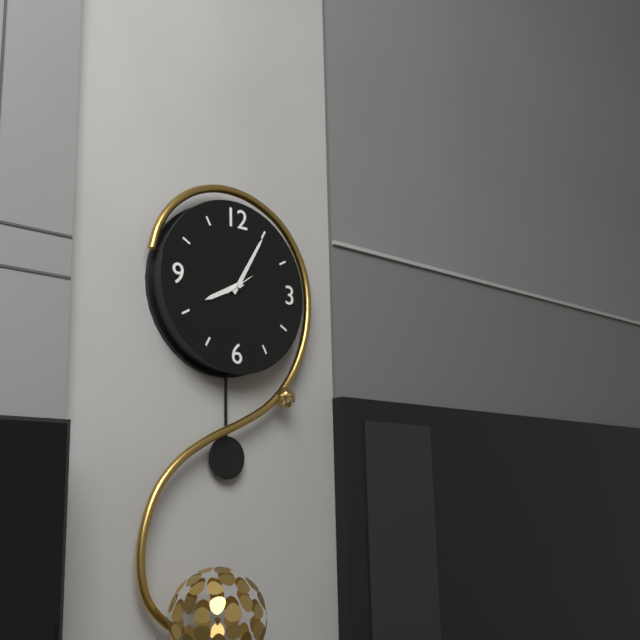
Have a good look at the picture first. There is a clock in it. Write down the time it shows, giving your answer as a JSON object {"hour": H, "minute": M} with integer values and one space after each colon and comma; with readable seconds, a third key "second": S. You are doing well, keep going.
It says {"hour": 8, "minute": 5}
